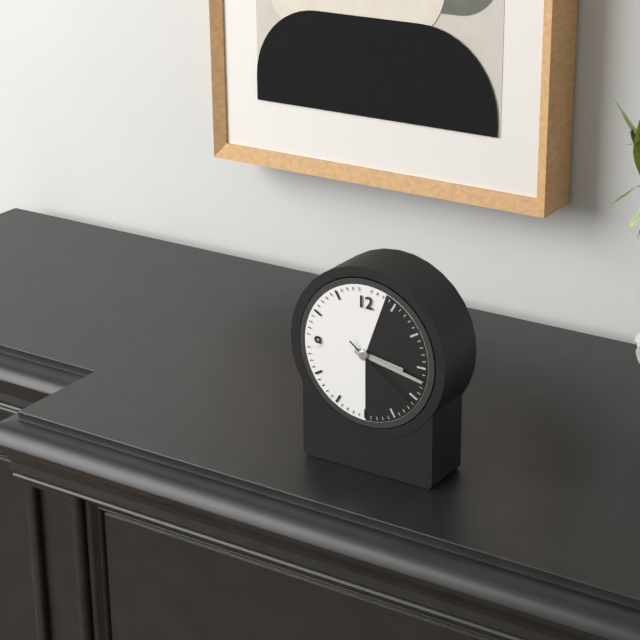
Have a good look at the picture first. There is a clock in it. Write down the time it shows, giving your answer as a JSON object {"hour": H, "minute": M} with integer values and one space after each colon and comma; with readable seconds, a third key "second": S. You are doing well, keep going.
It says {"hour": 3, "minute": 17, "second": 21}
